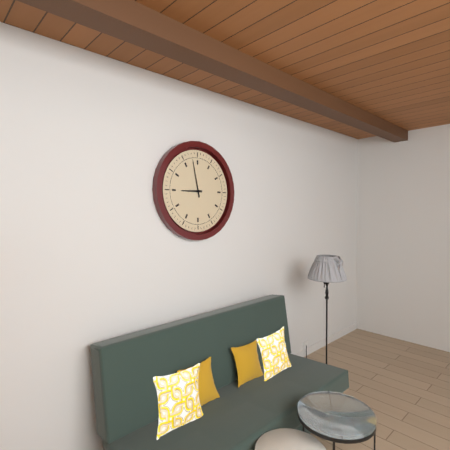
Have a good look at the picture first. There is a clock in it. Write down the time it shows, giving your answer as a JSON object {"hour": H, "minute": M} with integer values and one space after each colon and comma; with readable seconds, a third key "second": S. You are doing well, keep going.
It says {"hour": 8, "minute": 58}
